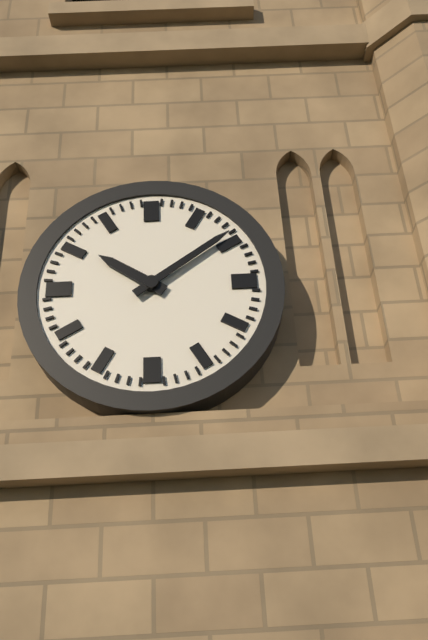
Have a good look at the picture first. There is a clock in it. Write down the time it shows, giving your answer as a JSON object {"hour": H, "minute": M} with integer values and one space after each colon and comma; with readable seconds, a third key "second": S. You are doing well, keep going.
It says {"hour": 10, "minute": 9}
